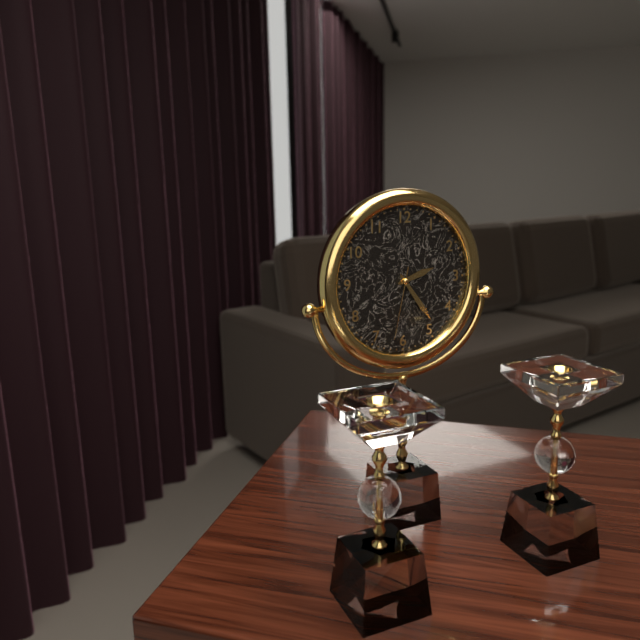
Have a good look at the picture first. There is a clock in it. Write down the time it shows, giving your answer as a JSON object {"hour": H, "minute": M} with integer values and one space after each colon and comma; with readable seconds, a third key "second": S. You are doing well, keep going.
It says {"hour": 2, "minute": 24, "second": 32}
